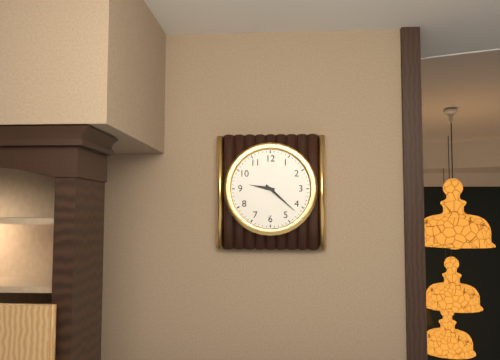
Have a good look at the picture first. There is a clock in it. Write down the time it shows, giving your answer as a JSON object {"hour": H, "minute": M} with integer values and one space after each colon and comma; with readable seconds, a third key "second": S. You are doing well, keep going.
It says {"hour": 9, "minute": 22}
